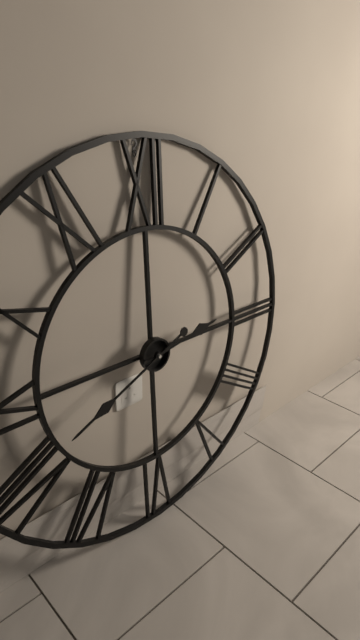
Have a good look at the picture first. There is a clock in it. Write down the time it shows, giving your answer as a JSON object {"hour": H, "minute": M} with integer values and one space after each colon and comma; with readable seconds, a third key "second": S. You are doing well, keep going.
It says {"hour": 2, "minute": 41}
